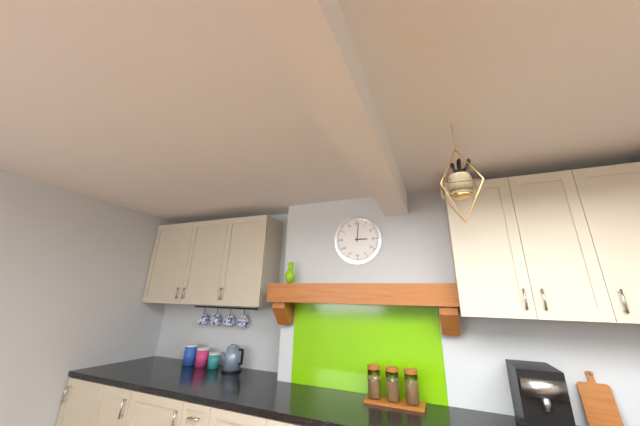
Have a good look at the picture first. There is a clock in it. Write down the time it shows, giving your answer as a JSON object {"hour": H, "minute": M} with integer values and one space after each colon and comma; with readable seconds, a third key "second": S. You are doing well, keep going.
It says {"hour": 3, "minute": 1}
